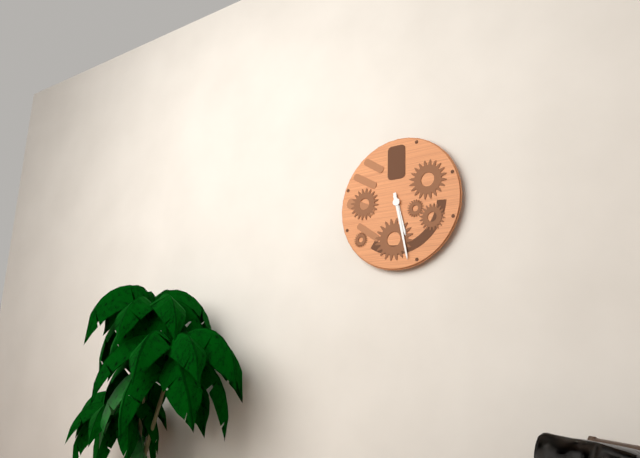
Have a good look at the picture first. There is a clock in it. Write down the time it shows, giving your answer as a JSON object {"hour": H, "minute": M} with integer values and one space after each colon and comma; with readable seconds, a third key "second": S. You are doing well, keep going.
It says {"hour": 5, "minute": 28}
